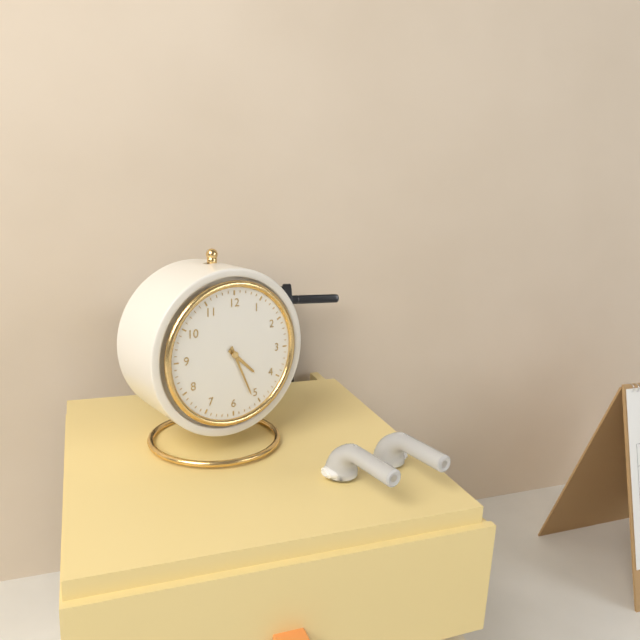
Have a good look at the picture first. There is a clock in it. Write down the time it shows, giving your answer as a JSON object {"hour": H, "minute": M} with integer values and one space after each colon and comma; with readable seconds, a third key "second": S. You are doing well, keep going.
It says {"hour": 4, "minute": 26}
